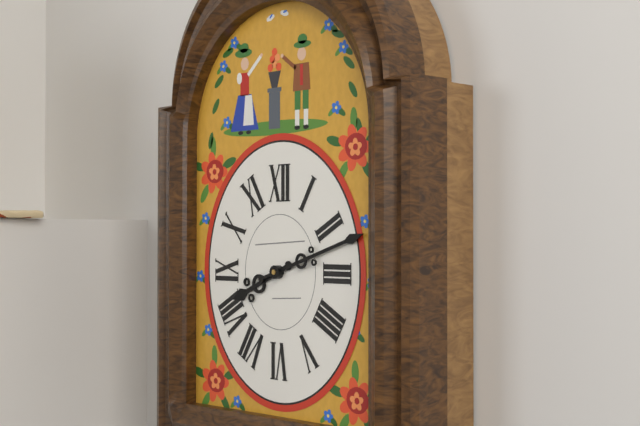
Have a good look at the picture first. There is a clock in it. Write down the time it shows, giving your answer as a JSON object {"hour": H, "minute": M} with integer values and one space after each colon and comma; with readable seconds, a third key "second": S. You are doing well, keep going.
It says {"hour": 8, "minute": 12}
